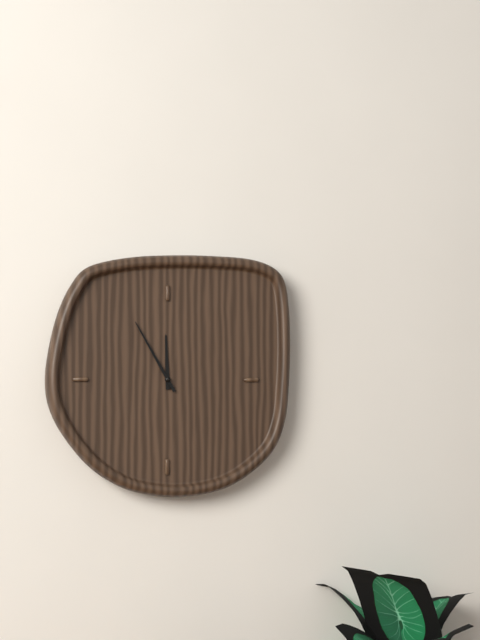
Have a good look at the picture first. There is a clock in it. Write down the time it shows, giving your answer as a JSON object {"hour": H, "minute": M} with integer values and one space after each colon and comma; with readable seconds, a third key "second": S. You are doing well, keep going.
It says {"hour": 11, "minute": 55}
